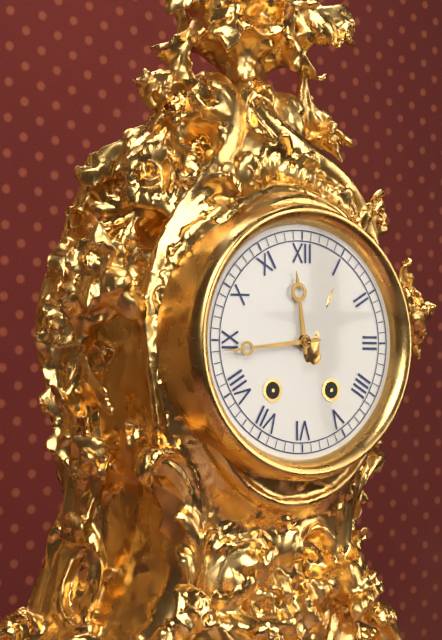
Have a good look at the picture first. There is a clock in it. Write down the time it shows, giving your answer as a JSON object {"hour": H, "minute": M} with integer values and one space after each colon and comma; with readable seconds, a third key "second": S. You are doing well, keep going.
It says {"hour": 11, "minute": 44}
